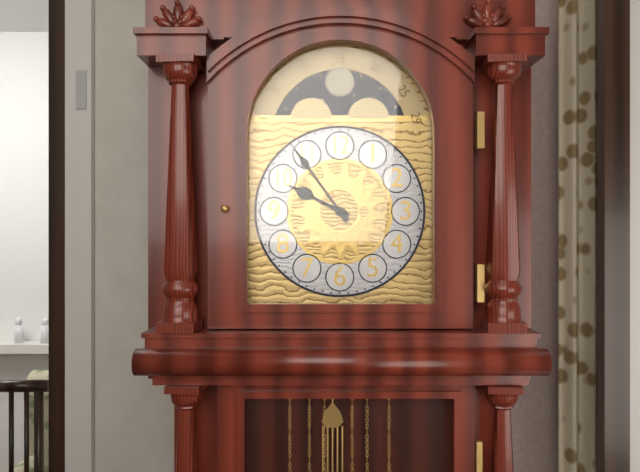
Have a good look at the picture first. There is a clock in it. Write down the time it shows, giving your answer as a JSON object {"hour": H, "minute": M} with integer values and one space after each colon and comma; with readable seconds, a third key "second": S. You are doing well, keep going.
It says {"hour": 9, "minute": 54}
